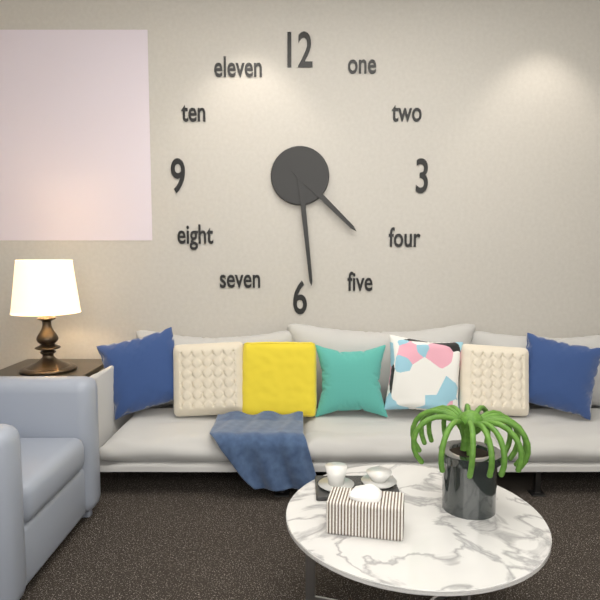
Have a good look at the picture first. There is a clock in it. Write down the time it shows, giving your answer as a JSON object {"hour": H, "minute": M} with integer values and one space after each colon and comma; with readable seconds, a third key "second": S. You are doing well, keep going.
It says {"hour": 4, "minute": 29}
